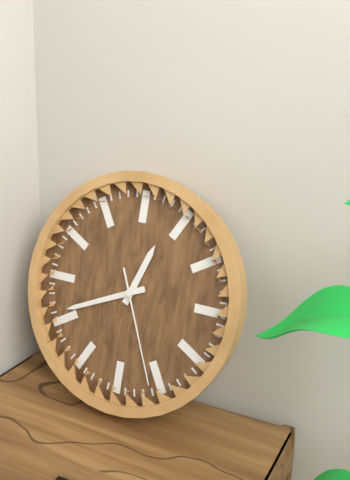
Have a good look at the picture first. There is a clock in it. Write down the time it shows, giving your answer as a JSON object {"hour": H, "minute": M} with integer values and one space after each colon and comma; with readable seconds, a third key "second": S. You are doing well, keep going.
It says {"hour": 12, "minute": 41, "second": 26}
